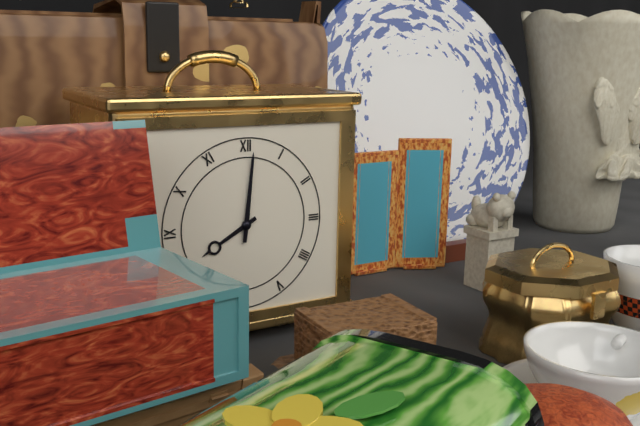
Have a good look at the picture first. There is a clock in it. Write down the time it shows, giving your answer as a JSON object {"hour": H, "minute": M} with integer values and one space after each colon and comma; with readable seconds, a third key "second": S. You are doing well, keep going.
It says {"hour": 8, "minute": 1}
